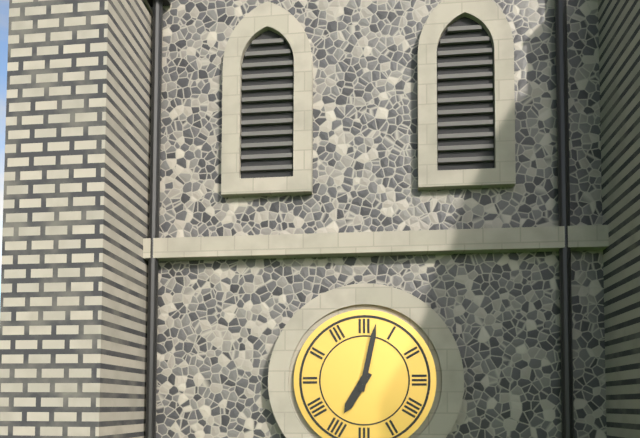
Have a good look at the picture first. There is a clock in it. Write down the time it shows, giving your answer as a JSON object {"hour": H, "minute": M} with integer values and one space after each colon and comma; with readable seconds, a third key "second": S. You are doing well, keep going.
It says {"hour": 7, "minute": 2}
